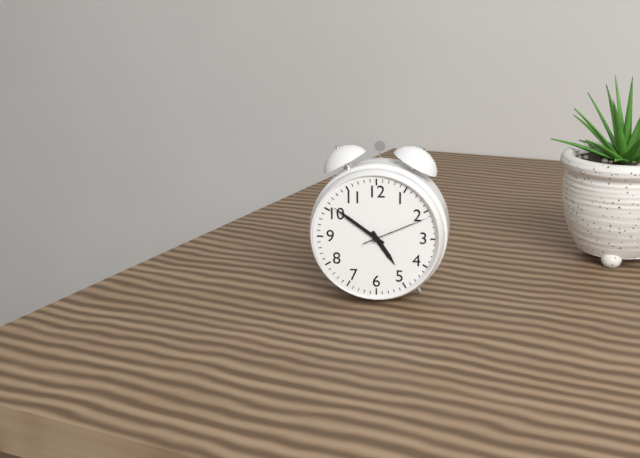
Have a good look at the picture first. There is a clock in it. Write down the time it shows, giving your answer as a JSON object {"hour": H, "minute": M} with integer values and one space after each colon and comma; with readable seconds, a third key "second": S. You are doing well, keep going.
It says {"hour": 4, "minute": 51, "second": 11}
